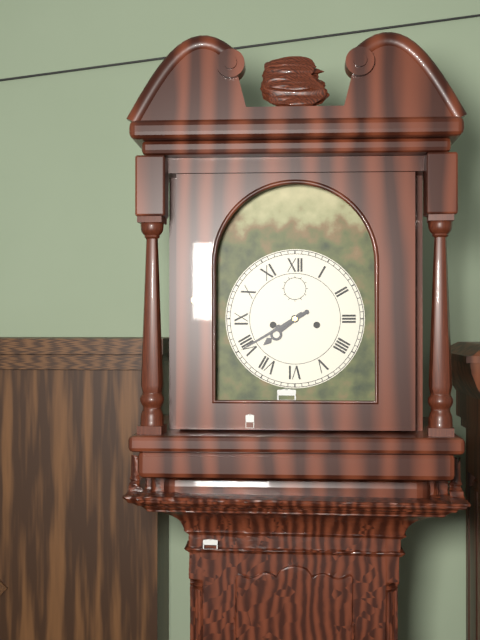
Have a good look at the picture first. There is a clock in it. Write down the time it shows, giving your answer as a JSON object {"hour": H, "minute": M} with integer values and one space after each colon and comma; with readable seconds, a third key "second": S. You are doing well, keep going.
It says {"hour": 7, "minute": 40}
